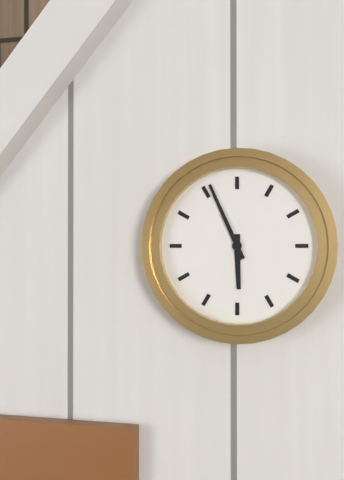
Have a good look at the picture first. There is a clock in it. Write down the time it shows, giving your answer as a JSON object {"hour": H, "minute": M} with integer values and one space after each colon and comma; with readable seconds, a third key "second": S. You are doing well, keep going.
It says {"hour": 5, "minute": 56}
